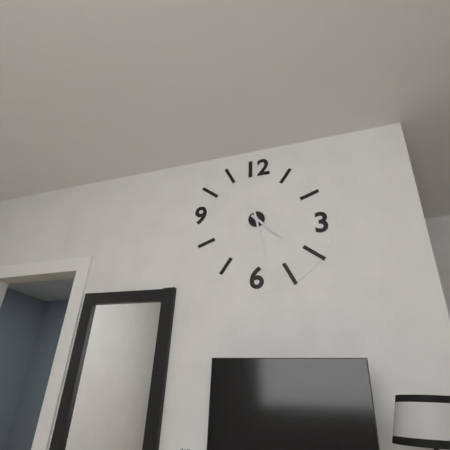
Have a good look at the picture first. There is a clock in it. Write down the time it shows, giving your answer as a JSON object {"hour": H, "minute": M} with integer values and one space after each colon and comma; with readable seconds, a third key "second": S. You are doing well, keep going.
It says {"hour": 4, "minute": 28}
